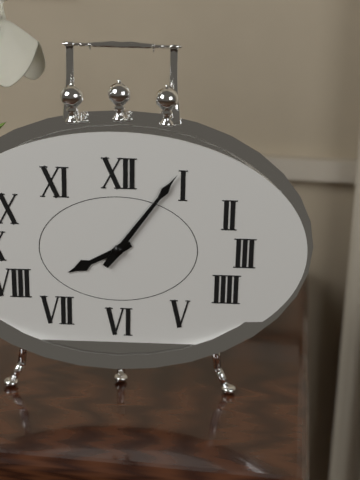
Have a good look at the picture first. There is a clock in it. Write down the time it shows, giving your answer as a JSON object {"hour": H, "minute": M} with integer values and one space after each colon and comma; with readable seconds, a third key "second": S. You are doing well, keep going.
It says {"hour": 8, "minute": 6}
